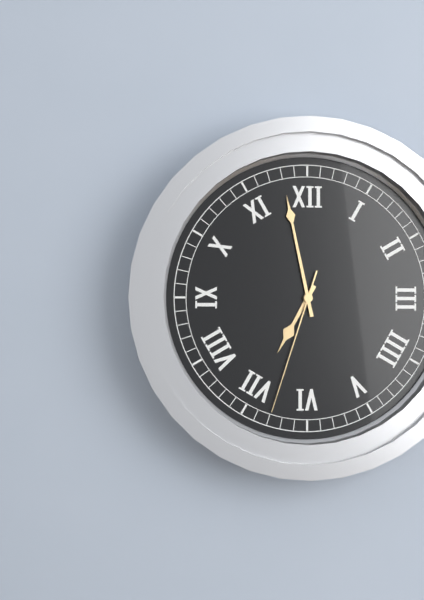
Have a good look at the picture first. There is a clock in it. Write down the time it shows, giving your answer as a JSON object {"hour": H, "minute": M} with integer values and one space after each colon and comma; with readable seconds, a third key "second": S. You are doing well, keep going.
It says {"hour": 6, "minute": 58, "second": 33}
